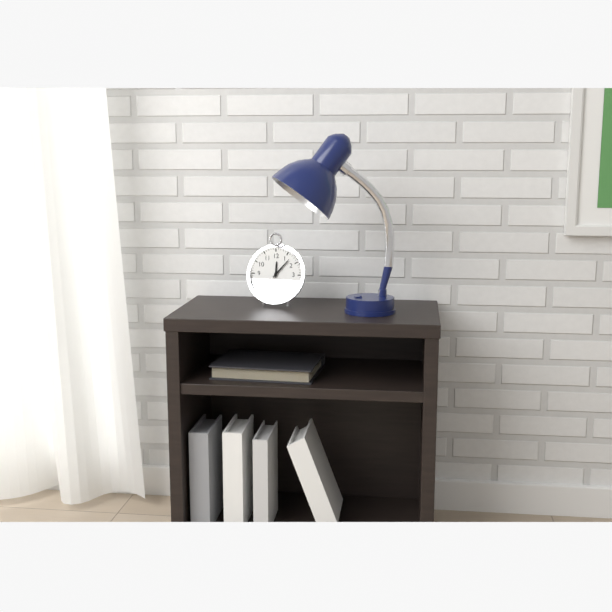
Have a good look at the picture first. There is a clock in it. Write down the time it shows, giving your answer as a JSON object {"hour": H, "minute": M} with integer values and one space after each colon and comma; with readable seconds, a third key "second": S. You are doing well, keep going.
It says {"hour": 12, "minute": 7}
